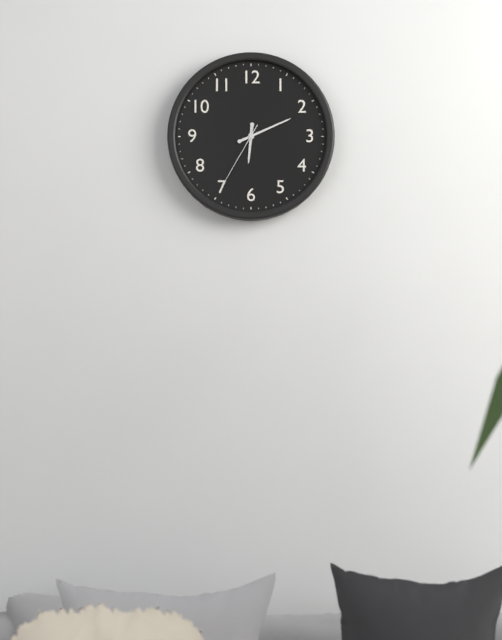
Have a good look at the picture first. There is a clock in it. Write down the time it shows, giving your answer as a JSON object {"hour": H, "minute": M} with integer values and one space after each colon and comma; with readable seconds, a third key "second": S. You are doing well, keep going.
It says {"hour": 6, "minute": 11, "second": 35}
